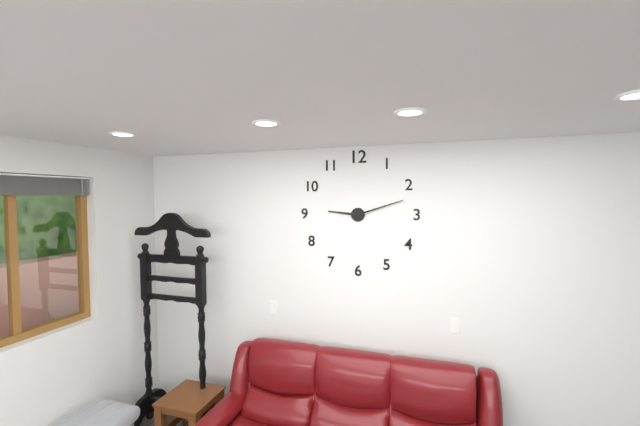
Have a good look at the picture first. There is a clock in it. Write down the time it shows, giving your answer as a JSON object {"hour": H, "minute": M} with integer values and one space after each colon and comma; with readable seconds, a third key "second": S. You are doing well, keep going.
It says {"hour": 9, "minute": 12}
